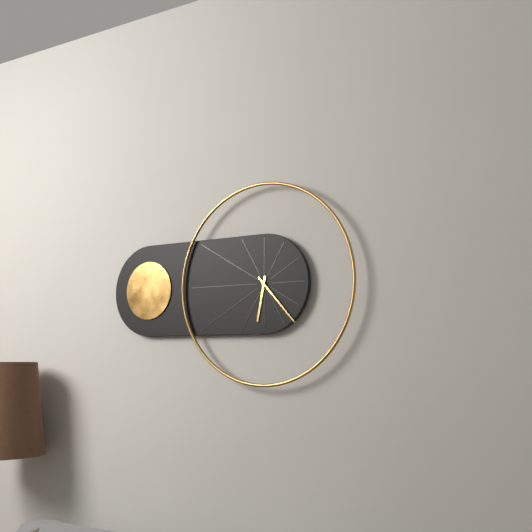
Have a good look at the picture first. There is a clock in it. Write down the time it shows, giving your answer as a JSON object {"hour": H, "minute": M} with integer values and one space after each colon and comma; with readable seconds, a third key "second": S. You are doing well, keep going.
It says {"hour": 6, "minute": 23}
